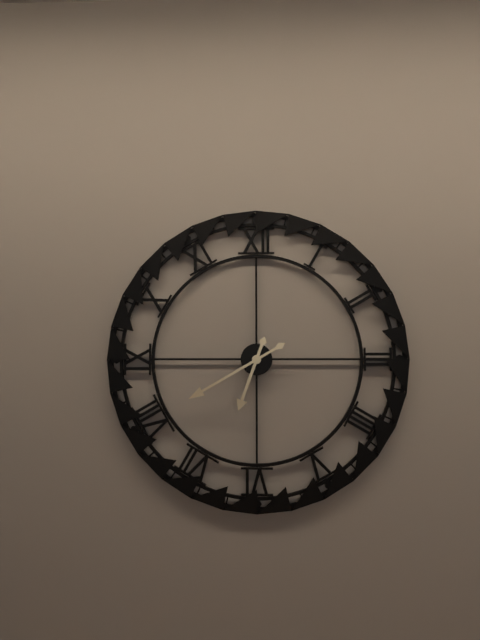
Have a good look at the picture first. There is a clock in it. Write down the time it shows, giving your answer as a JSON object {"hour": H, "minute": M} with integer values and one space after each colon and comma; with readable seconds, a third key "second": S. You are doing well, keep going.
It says {"hour": 6, "minute": 40}
